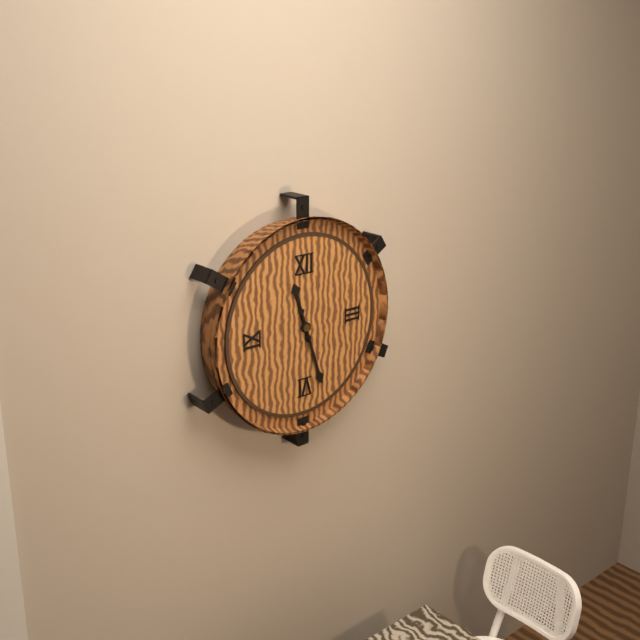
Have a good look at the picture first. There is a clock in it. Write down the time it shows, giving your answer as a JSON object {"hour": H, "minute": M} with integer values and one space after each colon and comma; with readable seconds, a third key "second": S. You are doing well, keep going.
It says {"hour": 11, "minute": 27}
